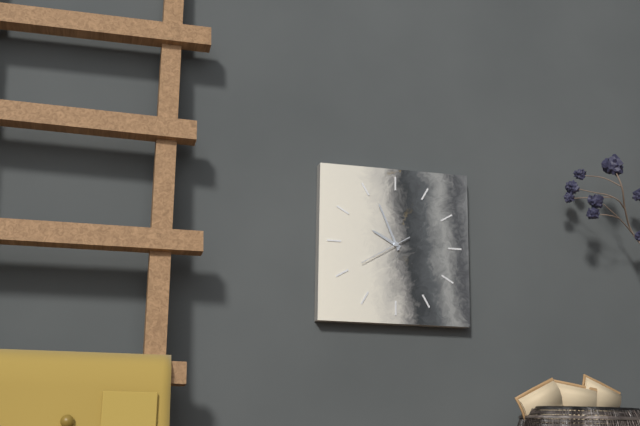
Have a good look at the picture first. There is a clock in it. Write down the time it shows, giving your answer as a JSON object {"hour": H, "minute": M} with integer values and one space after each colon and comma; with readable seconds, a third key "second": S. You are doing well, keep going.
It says {"hour": 9, "minute": 56}
